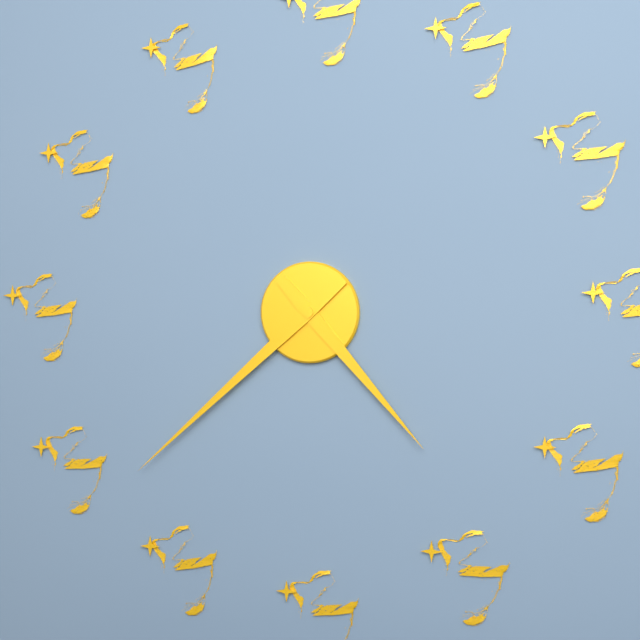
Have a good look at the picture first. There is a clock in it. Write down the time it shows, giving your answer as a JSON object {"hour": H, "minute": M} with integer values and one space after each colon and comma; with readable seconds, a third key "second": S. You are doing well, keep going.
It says {"hour": 4, "minute": 38}
